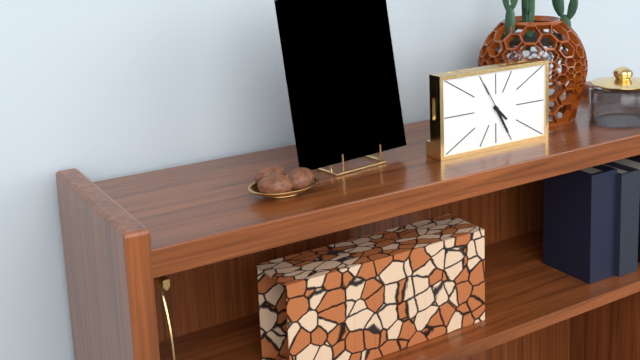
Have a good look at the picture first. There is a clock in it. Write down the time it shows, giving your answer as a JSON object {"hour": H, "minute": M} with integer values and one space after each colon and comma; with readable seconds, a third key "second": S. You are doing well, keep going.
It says {"hour": 4, "minute": 25}
